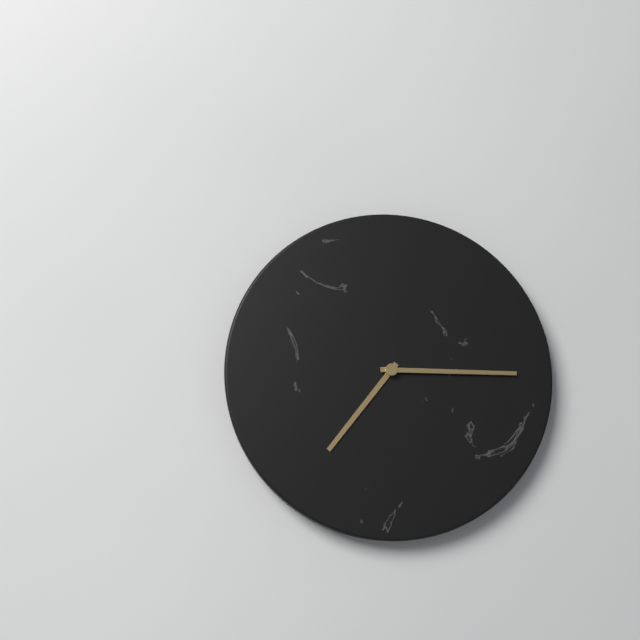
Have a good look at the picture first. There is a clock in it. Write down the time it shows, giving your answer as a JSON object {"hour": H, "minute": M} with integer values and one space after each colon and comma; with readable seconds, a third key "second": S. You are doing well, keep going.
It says {"hour": 7, "minute": 15}
